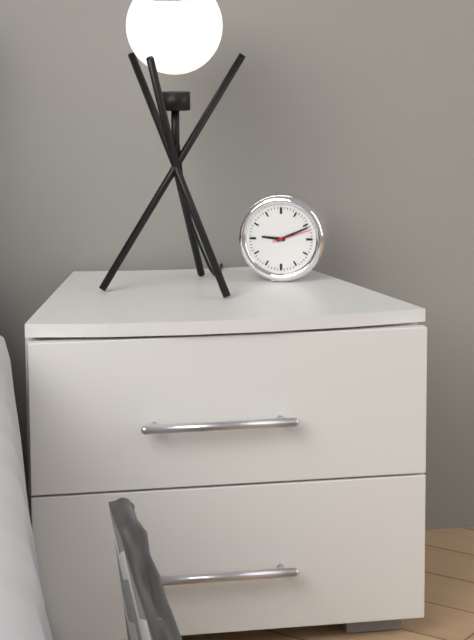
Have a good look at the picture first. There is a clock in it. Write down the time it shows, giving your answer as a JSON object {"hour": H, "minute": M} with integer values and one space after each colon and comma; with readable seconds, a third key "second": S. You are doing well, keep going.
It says {"hour": 9, "minute": 11}
